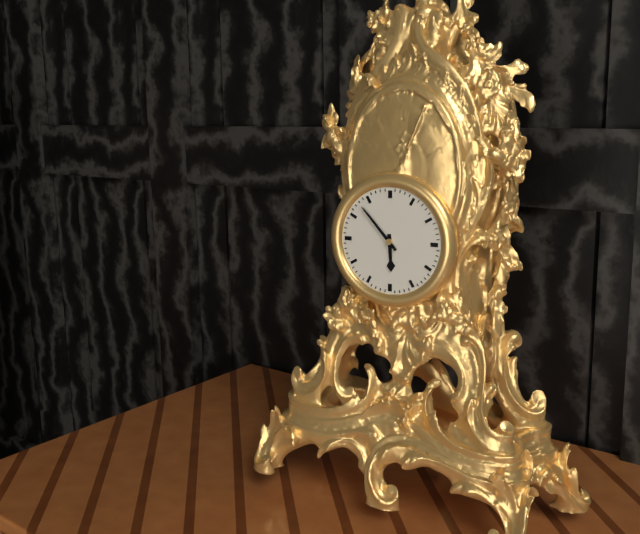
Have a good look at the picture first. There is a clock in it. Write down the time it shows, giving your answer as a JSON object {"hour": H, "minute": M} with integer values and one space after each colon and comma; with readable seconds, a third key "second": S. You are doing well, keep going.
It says {"hour": 5, "minute": 53}
